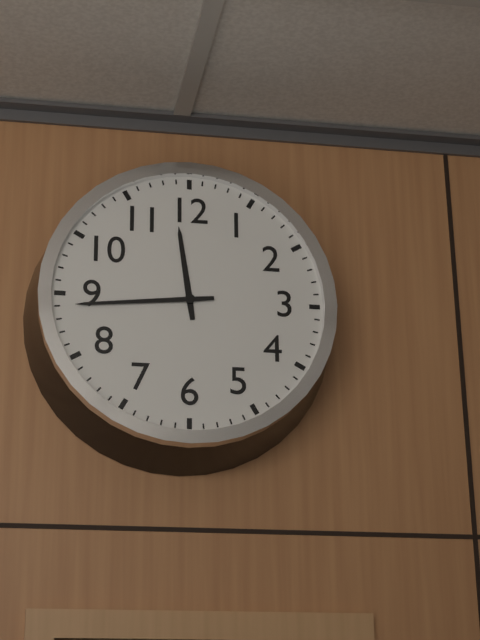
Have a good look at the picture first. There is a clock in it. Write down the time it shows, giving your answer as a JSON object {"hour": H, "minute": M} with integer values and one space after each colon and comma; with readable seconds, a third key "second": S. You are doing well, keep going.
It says {"hour": 11, "minute": 44}
